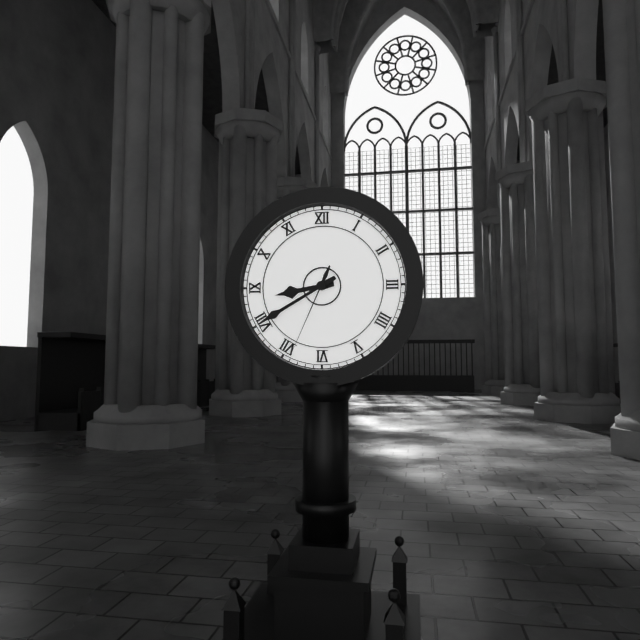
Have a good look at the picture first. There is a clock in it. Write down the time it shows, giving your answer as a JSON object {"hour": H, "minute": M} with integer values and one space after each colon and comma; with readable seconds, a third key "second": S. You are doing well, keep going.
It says {"hour": 8, "minute": 40, "second": 34}
